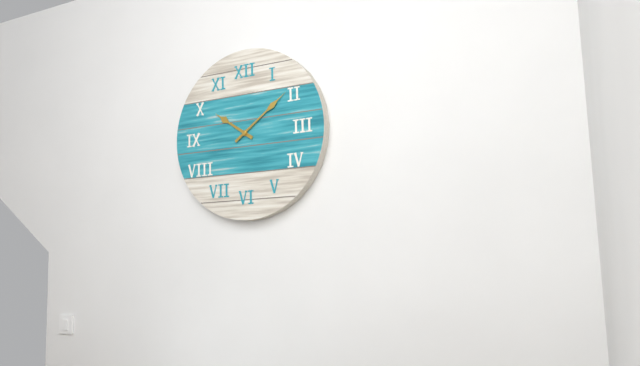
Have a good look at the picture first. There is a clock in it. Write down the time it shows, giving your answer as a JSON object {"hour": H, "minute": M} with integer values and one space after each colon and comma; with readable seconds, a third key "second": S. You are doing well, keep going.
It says {"hour": 10, "minute": 9}
